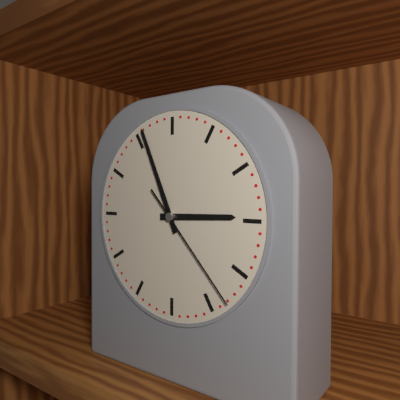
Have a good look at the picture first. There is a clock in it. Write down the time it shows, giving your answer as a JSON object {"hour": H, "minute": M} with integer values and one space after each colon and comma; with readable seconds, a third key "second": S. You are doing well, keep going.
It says {"hour": 2, "minute": 56, "second": 23}
